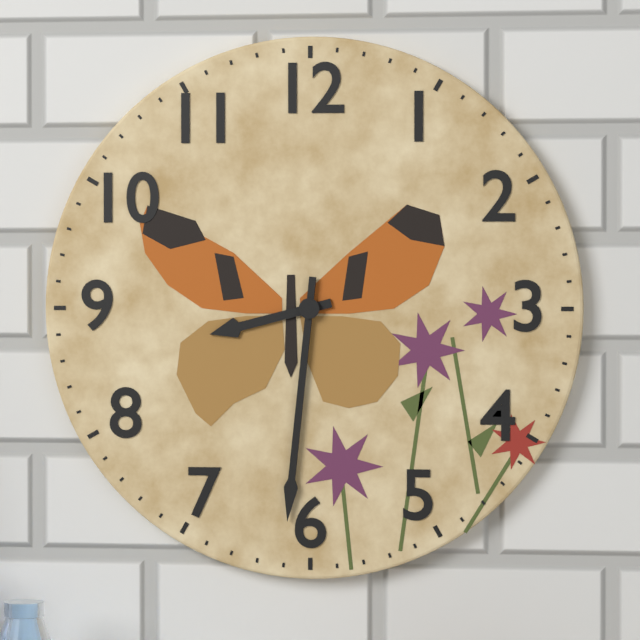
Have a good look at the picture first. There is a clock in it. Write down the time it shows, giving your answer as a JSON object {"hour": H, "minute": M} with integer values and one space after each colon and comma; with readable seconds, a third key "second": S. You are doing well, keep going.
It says {"hour": 8, "minute": 31}
